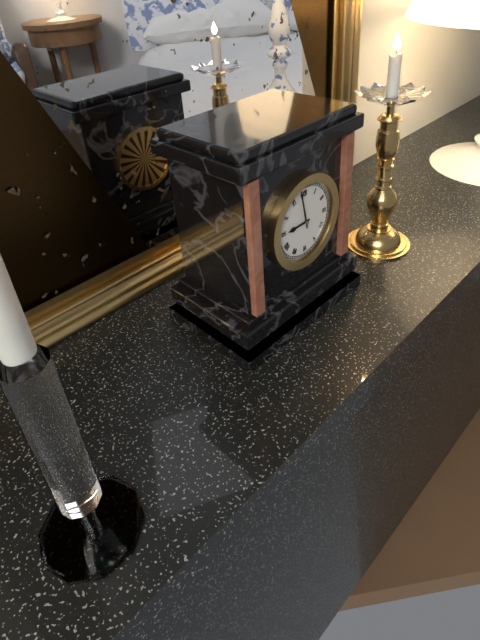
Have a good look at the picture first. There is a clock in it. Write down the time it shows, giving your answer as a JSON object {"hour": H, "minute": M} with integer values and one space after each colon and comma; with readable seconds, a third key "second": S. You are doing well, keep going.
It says {"hour": 8, "minute": 58}
